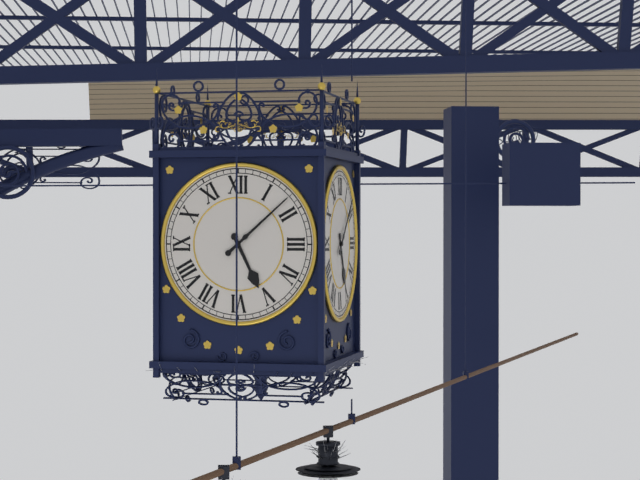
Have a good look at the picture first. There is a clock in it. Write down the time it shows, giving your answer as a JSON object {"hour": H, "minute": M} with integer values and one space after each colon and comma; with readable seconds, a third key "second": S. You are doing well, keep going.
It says {"hour": 5, "minute": 8}
